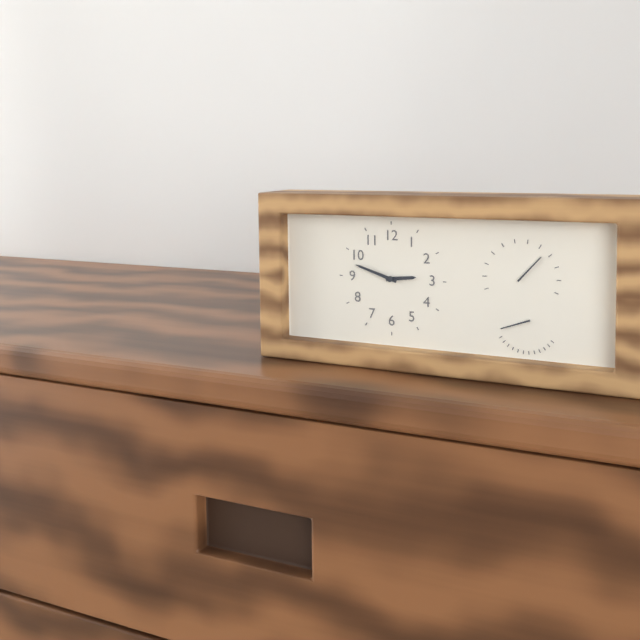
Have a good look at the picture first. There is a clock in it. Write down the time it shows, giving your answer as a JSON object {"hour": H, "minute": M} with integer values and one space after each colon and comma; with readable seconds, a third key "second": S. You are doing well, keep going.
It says {"hour": 2, "minute": 48}
